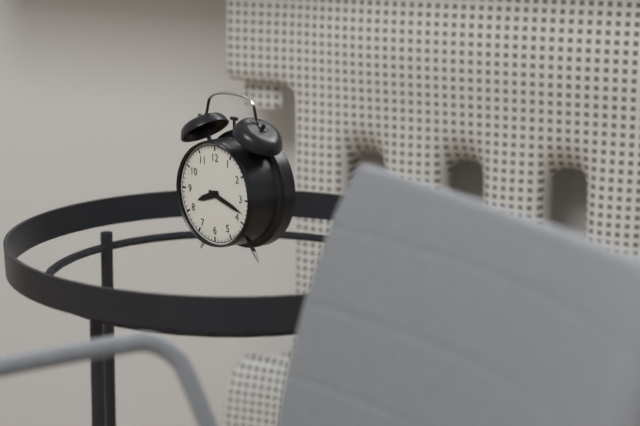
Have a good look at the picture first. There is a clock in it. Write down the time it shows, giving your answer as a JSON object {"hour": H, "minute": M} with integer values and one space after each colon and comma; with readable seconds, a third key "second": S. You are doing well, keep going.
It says {"hour": 8, "minute": 18}
